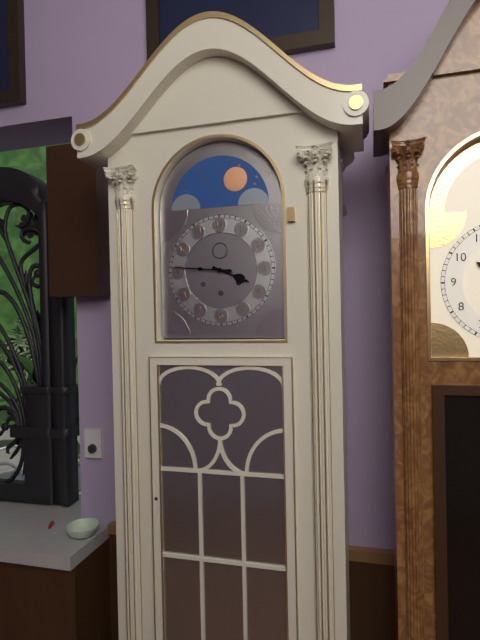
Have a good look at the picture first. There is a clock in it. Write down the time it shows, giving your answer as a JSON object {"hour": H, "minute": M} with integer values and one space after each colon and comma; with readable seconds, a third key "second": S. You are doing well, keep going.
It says {"hour": 3, "minute": 46}
